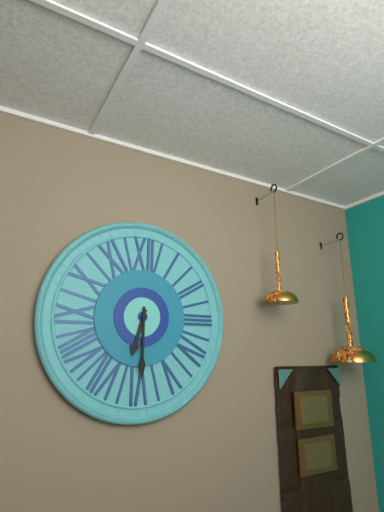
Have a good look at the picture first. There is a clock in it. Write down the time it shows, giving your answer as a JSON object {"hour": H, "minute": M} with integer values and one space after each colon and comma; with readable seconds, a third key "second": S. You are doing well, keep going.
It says {"hour": 6, "minute": 30}
